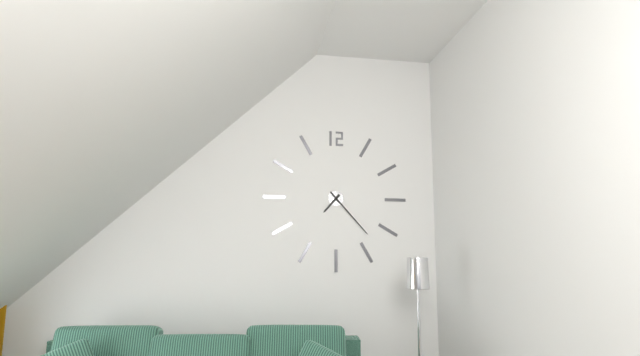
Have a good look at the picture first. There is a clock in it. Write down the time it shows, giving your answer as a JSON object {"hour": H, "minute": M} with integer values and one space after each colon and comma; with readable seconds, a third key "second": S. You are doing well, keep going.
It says {"hour": 7, "minute": 23}
